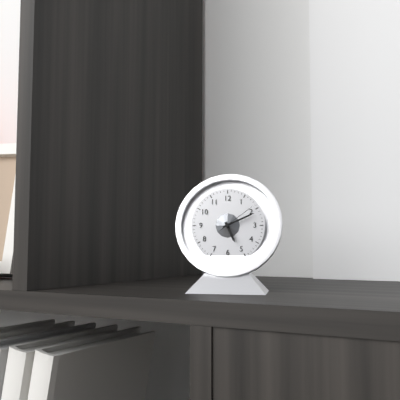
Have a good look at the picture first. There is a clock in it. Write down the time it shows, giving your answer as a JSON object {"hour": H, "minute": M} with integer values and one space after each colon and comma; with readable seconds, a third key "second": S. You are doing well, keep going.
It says {"hour": 5, "minute": 11}
